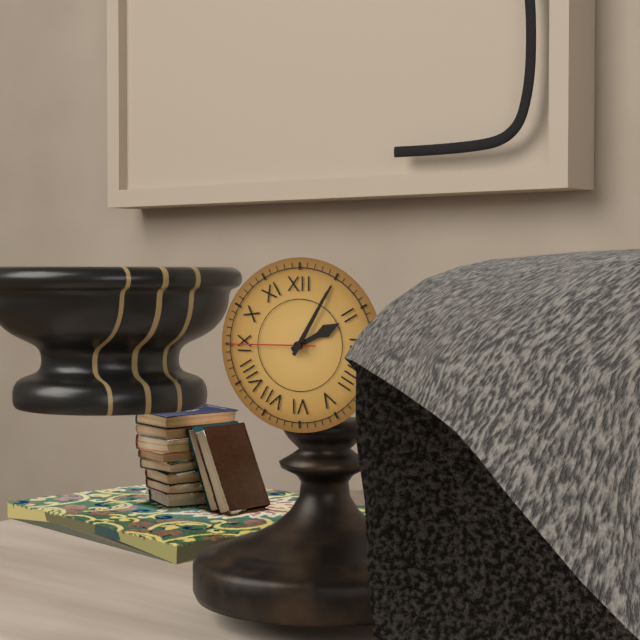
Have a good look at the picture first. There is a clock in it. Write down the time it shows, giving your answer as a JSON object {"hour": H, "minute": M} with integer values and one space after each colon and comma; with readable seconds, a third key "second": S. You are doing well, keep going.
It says {"hour": 2, "minute": 5, "second": 45}
